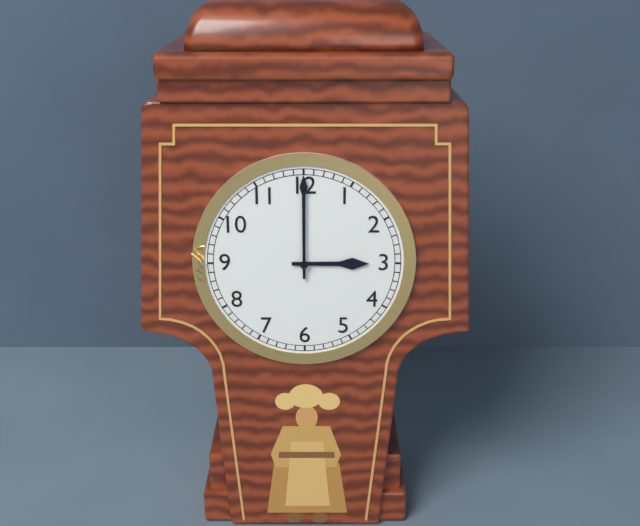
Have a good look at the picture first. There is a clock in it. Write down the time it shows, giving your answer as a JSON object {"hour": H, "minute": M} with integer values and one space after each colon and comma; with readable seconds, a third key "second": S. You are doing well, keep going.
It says {"hour": 3, "minute": 0}
